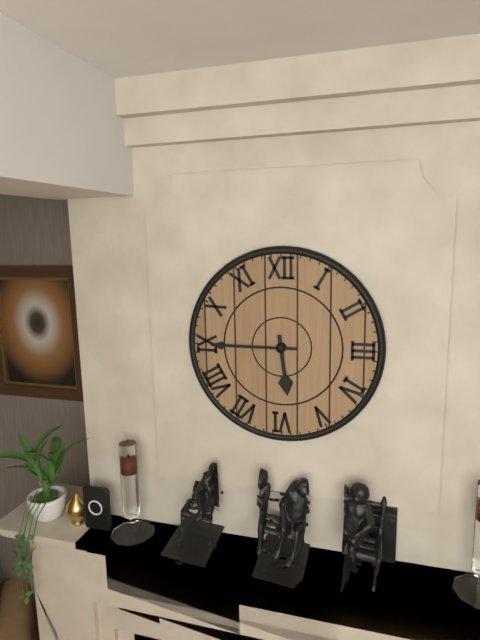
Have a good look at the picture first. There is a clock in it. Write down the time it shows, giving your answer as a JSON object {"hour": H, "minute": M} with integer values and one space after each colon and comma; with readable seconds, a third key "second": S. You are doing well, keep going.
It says {"hour": 5, "minute": 45}
